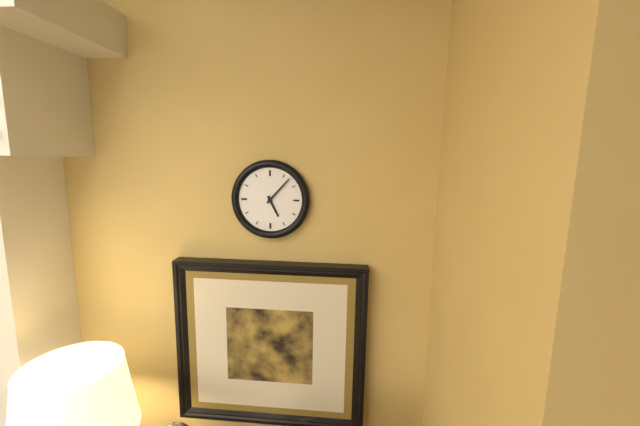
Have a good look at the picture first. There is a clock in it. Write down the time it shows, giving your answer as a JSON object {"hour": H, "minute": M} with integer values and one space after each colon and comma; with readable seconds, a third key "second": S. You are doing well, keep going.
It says {"hour": 5, "minute": 7}
